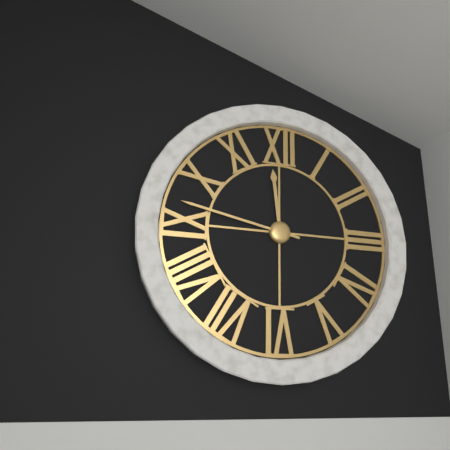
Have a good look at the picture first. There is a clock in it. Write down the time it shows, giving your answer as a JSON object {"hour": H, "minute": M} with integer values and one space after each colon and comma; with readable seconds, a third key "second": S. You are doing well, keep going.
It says {"hour": 11, "minute": 47}
